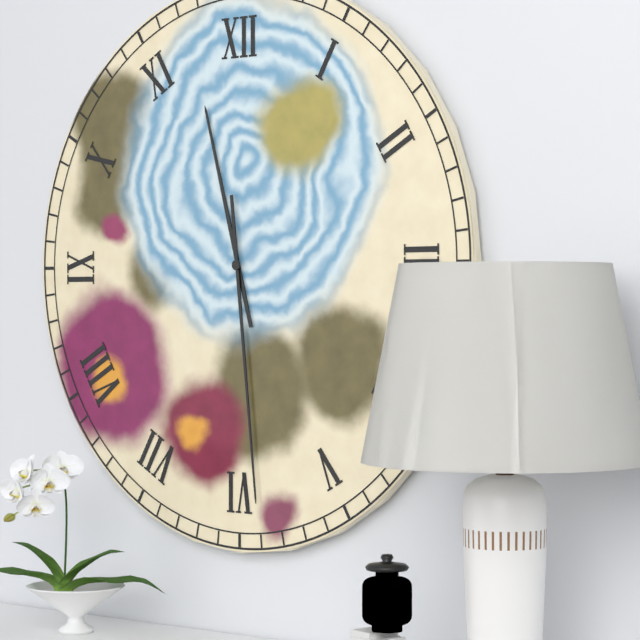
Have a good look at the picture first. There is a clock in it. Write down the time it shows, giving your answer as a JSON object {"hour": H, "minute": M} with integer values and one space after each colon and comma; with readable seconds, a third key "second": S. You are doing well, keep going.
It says {"hour": 11, "minute": 29}
